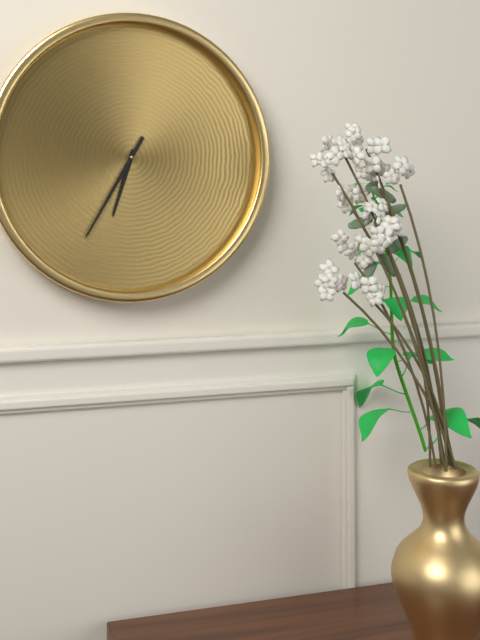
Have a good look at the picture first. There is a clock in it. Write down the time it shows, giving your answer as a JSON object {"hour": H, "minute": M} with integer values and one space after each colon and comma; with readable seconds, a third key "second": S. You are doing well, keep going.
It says {"hour": 6, "minute": 35}
